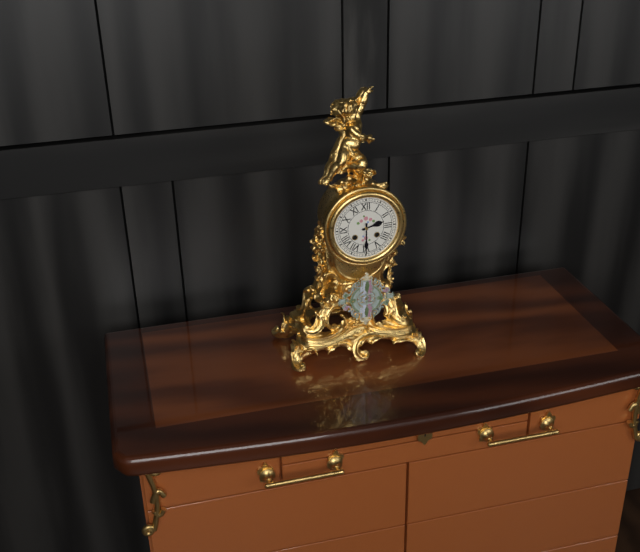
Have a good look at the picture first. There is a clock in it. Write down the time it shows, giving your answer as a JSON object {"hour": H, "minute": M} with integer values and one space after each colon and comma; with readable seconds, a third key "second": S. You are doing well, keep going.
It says {"hour": 2, "minute": 30}
